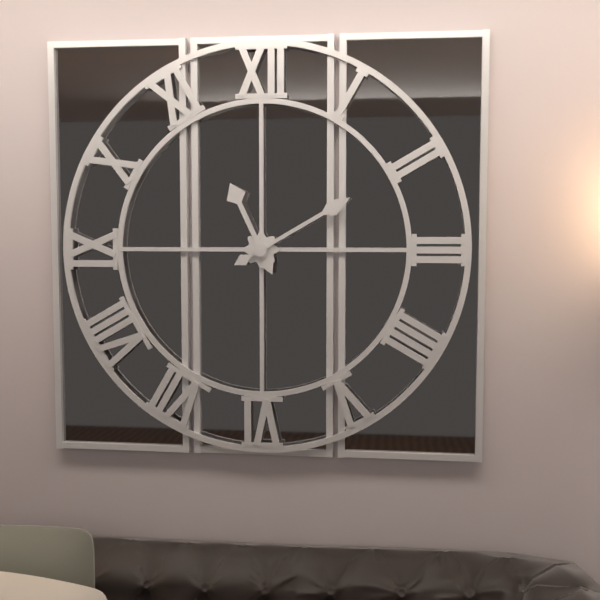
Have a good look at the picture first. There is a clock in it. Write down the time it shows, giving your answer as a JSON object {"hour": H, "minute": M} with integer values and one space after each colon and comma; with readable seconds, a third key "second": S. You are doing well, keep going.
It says {"hour": 11, "minute": 10}
